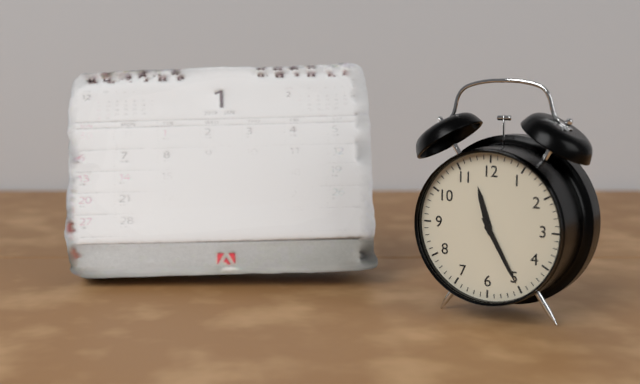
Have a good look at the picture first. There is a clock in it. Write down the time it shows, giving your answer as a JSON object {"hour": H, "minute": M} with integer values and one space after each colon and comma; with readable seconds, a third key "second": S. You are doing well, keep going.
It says {"hour": 11, "minute": 25}
